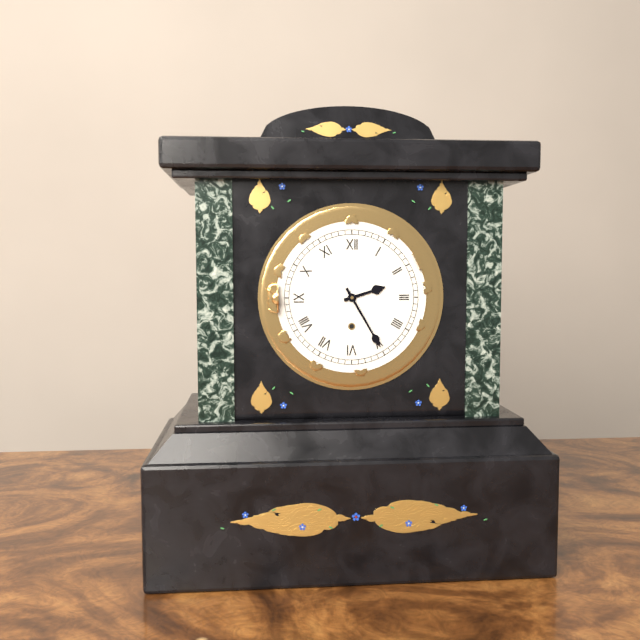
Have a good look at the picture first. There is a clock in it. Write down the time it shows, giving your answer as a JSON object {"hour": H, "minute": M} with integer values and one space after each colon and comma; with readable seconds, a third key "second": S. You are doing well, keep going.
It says {"hour": 2, "minute": 25}
